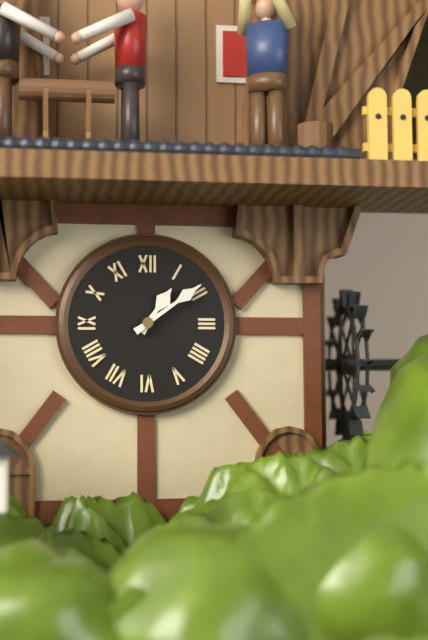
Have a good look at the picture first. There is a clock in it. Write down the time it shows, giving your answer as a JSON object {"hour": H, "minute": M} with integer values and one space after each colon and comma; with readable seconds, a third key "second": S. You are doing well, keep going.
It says {"hour": 1, "minute": 9}
